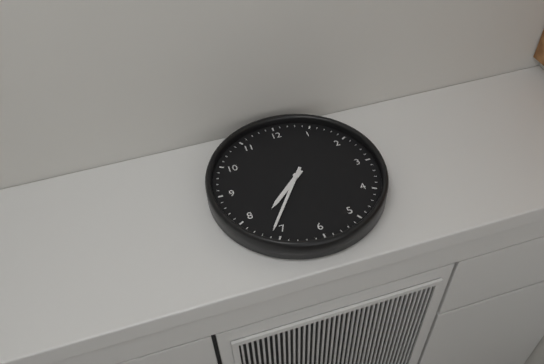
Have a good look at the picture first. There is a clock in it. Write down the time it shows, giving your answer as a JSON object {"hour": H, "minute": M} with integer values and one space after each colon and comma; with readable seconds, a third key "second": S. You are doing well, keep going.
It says {"hour": 7, "minute": 36}
